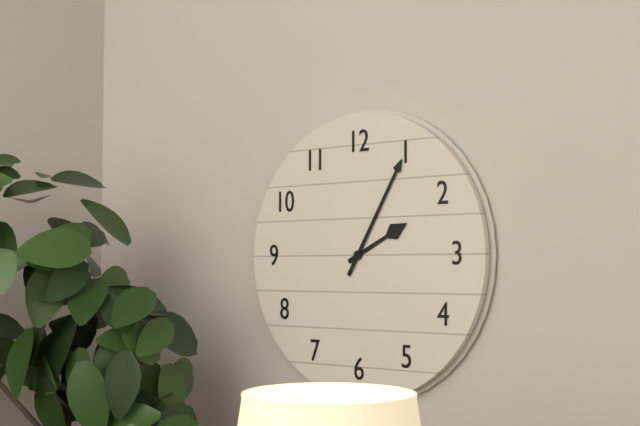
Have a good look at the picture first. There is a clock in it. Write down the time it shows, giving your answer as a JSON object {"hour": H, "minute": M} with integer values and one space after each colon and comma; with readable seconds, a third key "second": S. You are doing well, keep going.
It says {"hour": 2, "minute": 5}
